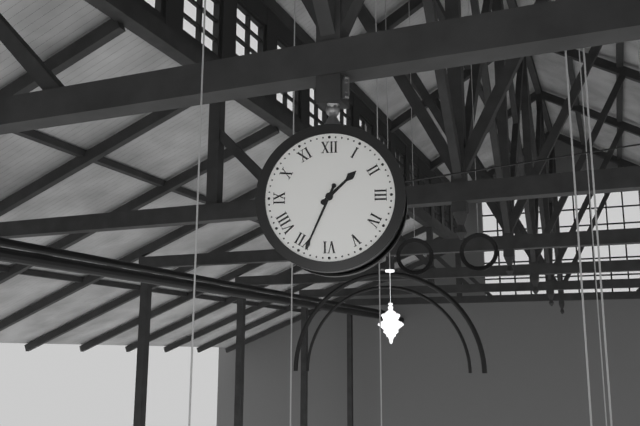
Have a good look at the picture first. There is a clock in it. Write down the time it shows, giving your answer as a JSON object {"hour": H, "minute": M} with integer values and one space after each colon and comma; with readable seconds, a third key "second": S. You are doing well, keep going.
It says {"hour": 1, "minute": 34}
